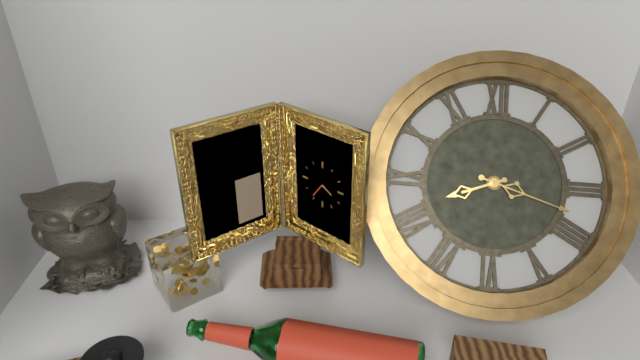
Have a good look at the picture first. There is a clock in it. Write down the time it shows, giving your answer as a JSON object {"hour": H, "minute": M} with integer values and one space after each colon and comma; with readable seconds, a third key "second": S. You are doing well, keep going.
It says {"hour": 8, "minute": 18}
